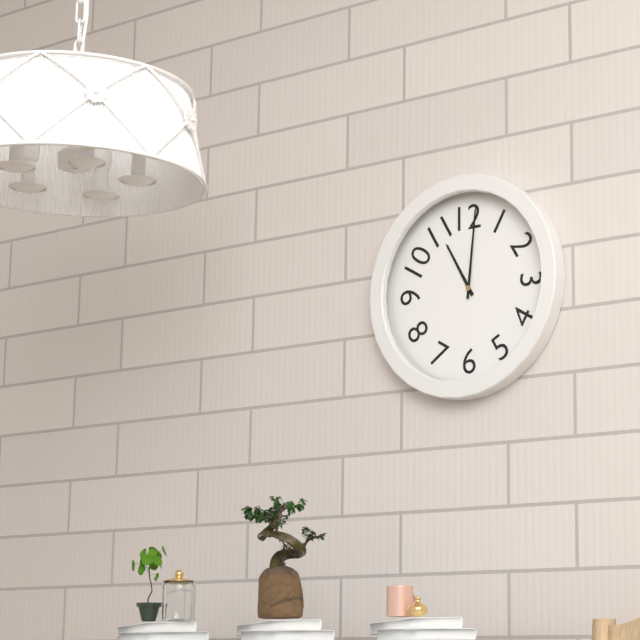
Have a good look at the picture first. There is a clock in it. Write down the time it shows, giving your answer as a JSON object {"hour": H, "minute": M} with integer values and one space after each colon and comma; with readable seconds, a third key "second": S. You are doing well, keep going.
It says {"hour": 11, "minute": 1}
